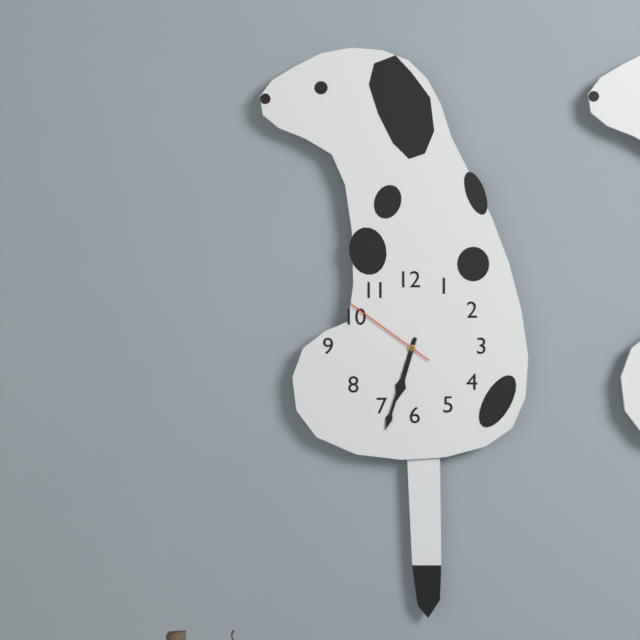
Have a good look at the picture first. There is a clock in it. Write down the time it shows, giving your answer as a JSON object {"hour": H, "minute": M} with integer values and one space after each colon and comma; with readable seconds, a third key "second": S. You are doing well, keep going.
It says {"hour": 6, "minute": 33, "second": 51}
